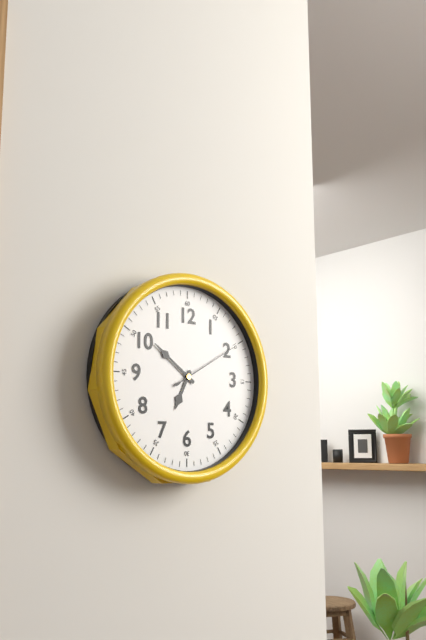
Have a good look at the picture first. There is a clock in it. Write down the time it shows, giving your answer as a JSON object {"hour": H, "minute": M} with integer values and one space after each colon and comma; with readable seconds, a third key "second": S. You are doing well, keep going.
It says {"hour": 6, "minute": 51, "second": 10}
